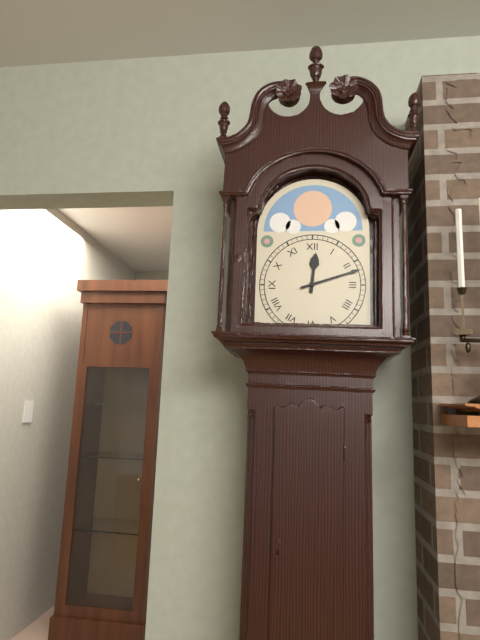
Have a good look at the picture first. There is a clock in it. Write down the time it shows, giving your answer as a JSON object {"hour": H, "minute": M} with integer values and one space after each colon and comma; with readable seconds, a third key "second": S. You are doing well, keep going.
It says {"hour": 12, "minute": 12}
